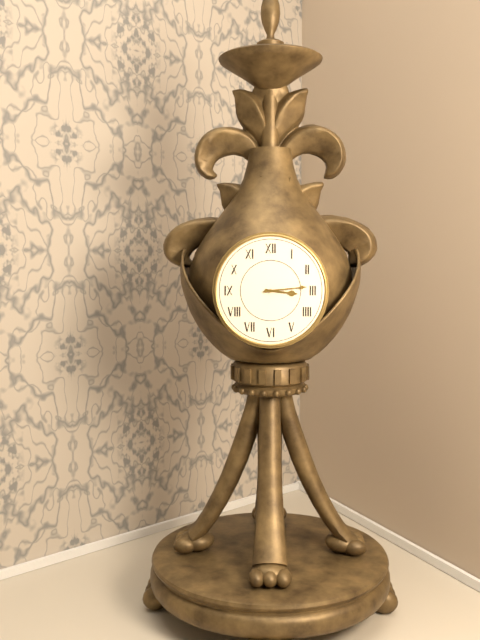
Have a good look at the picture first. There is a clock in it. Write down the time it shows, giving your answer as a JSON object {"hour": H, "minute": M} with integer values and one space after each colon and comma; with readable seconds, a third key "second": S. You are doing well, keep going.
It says {"hour": 3, "minute": 14}
